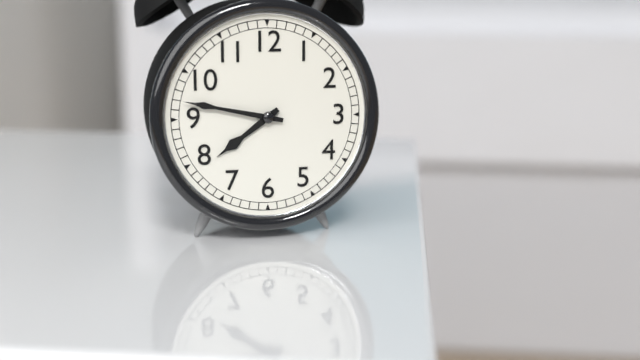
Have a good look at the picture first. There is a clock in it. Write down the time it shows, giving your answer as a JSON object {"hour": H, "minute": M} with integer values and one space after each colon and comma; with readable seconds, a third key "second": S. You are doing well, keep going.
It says {"hour": 7, "minute": 47}
